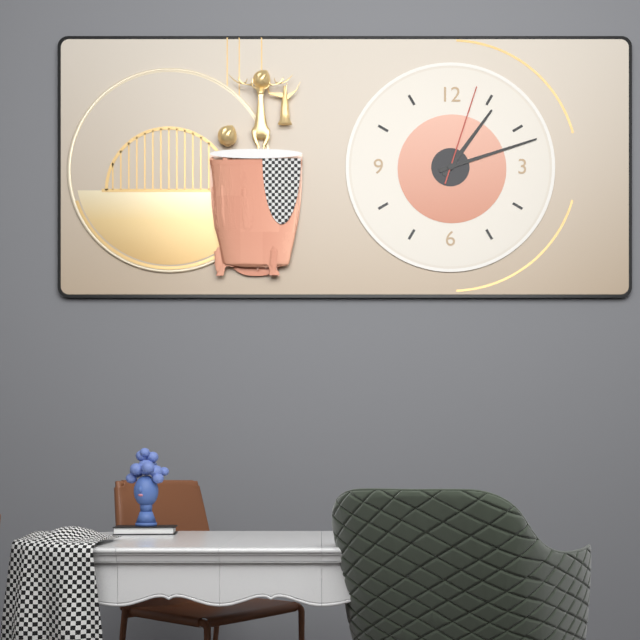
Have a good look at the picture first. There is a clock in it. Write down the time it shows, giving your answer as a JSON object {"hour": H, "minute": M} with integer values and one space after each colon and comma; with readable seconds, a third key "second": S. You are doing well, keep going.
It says {"hour": 1, "minute": 12, "second": 3}
